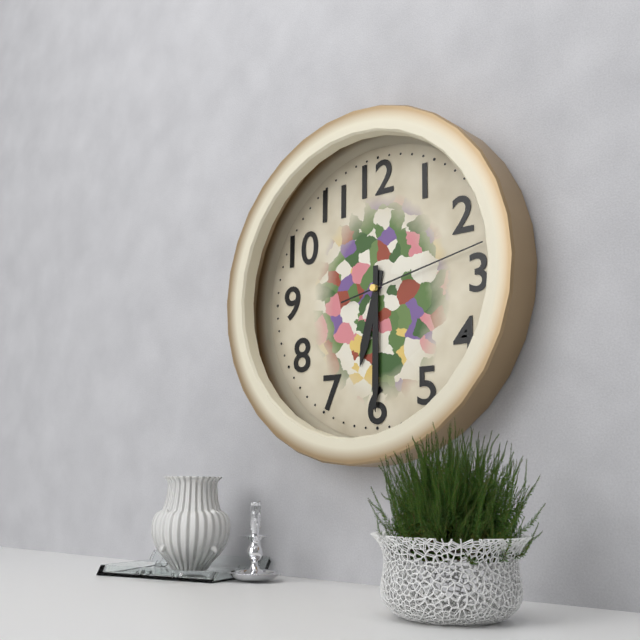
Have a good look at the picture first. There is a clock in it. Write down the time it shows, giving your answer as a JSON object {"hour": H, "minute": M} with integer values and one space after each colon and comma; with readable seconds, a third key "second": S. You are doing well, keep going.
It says {"hour": 6, "minute": 30, "second": 13}
